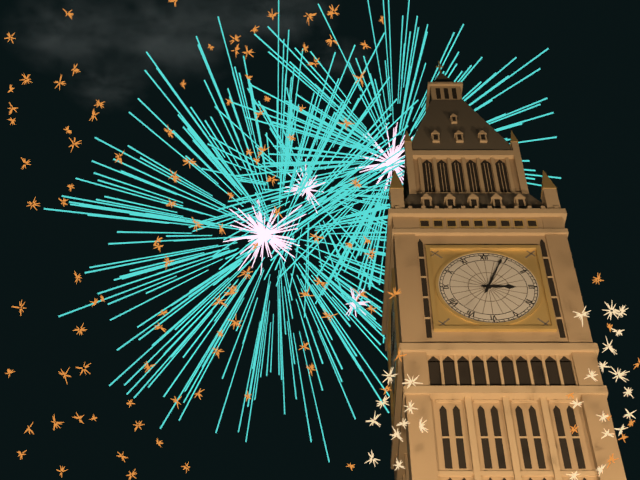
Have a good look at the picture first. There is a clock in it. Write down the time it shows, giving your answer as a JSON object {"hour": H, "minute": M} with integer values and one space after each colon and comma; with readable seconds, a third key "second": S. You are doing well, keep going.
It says {"hour": 3, "minute": 4}
